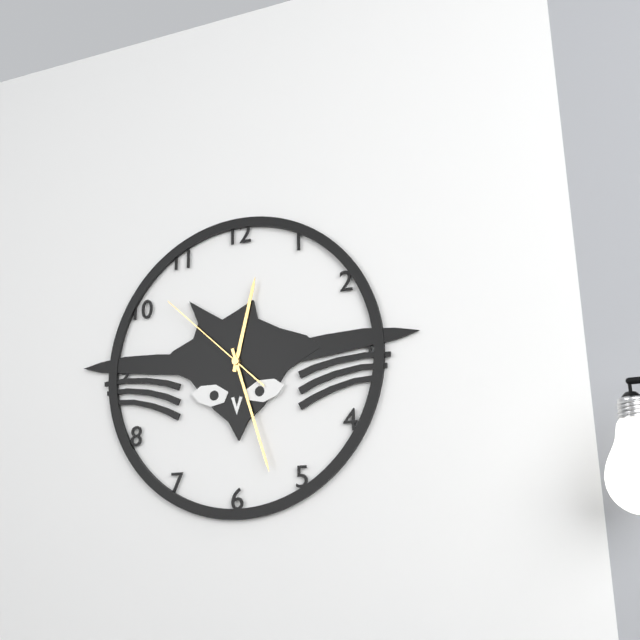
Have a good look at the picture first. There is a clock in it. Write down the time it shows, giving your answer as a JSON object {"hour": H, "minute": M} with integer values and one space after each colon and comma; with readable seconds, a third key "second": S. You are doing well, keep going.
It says {"hour": 12, "minute": 27, "second": 52}
